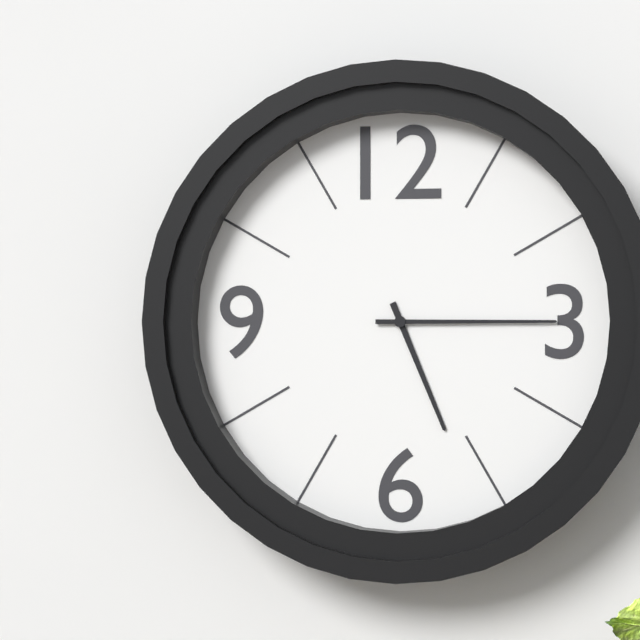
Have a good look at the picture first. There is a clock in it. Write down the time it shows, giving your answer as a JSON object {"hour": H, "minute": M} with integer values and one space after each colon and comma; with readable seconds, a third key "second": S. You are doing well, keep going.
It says {"hour": 5, "minute": 15}
